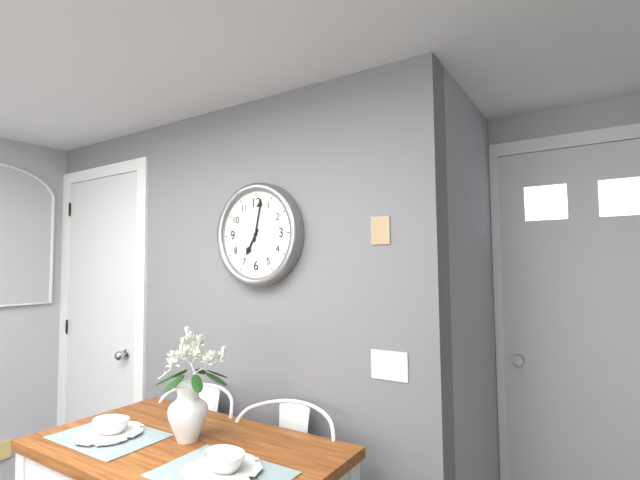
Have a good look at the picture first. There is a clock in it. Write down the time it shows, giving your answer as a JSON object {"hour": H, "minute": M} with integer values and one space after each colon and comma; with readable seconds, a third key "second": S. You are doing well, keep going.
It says {"hour": 7, "minute": 2}
